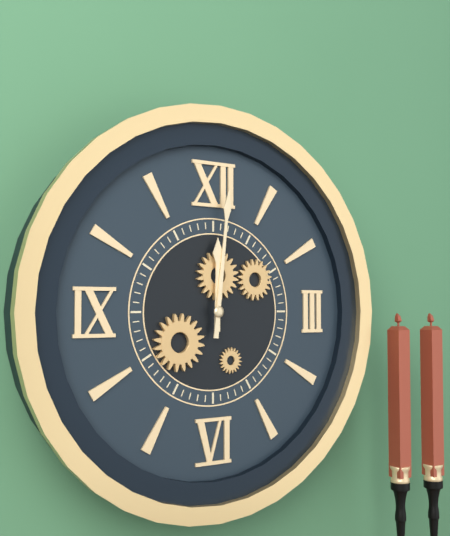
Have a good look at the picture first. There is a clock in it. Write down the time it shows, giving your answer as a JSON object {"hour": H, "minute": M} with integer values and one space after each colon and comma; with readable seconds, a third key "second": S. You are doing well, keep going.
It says {"hour": 12, "minute": 1}
